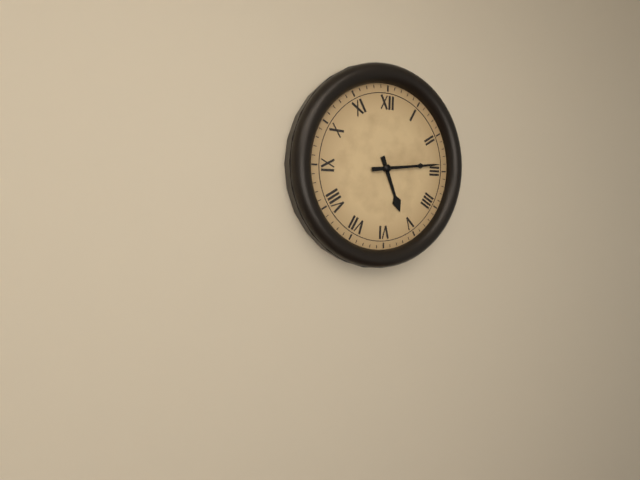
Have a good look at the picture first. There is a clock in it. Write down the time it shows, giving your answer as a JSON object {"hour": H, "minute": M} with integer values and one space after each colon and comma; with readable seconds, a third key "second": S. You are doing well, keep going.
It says {"hour": 5, "minute": 14}
